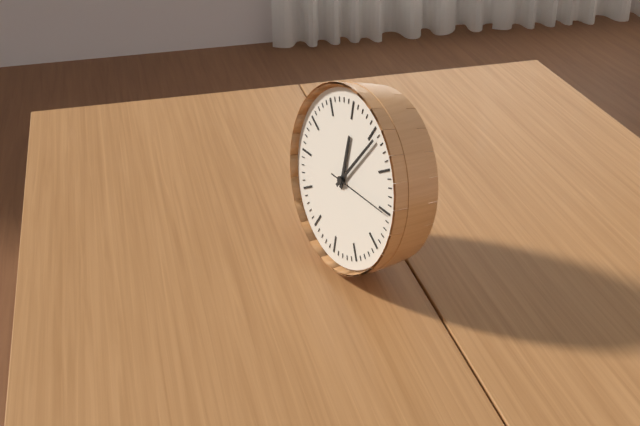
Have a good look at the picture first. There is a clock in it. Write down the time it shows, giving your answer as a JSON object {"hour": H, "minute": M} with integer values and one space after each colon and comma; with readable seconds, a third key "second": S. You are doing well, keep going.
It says {"hour": 12, "minute": 6, "second": 15}
